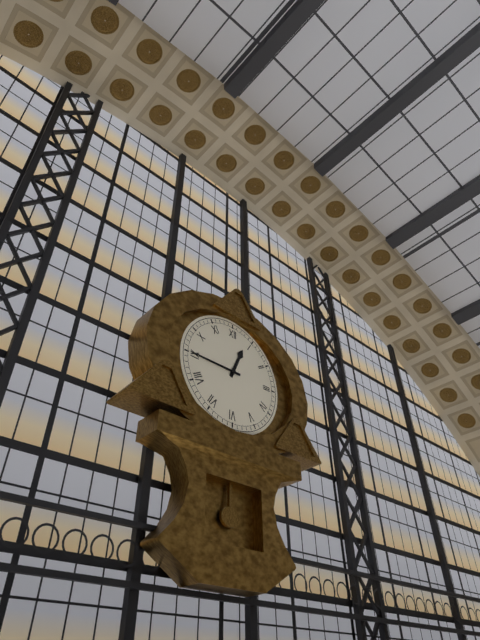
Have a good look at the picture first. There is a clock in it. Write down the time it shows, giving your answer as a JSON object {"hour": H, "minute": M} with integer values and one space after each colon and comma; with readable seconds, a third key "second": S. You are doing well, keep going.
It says {"hour": 12, "minute": 45}
